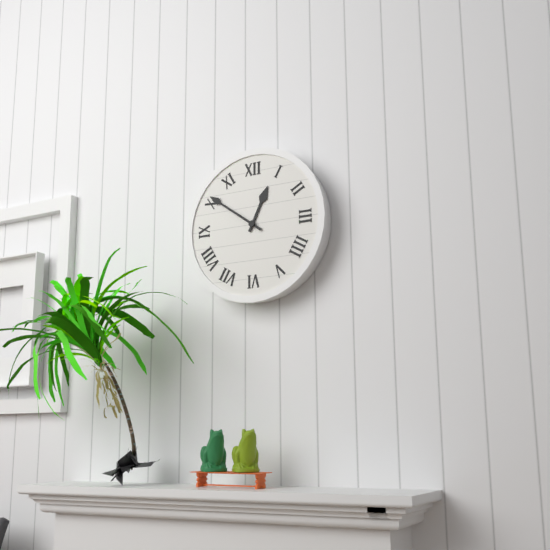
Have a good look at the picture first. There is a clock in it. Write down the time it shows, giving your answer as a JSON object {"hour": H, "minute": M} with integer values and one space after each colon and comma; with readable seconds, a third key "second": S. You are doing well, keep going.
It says {"hour": 12, "minute": 51}
